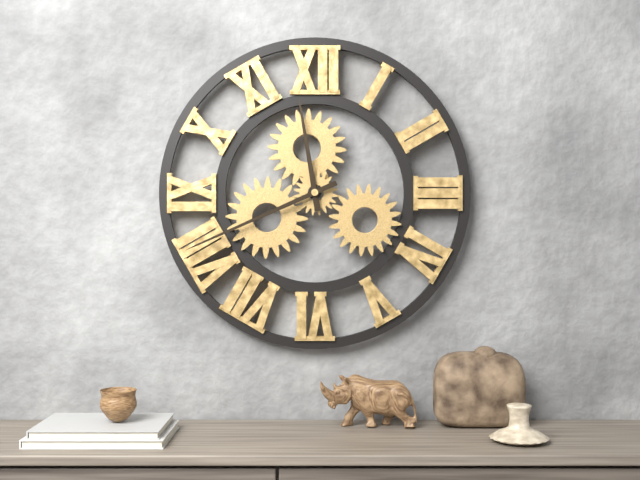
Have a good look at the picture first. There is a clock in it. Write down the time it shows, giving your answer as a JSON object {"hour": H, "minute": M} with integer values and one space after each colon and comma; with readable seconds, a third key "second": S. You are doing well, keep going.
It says {"hour": 11, "minute": 41}
